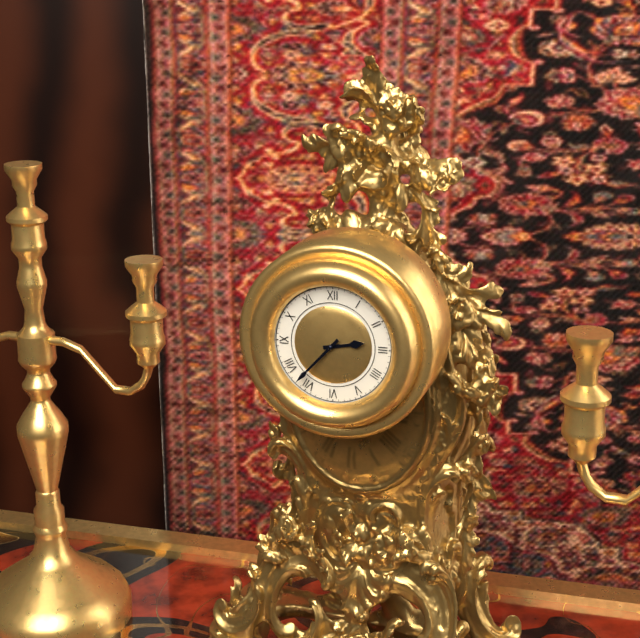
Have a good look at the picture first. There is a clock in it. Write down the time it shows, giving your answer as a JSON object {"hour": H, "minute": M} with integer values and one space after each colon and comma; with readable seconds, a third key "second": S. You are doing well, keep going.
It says {"hour": 2, "minute": 37}
